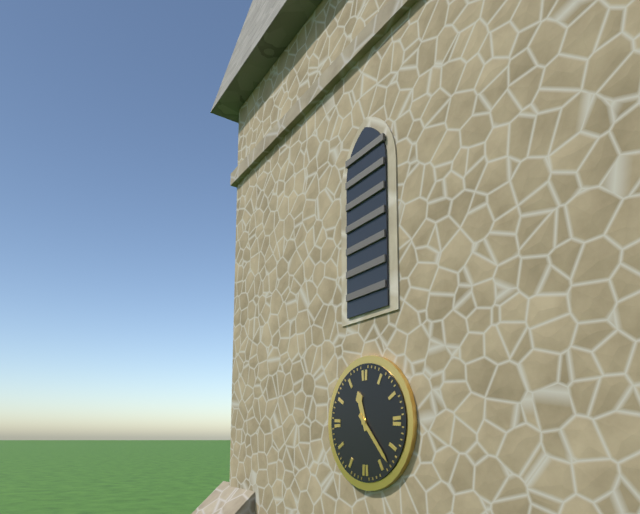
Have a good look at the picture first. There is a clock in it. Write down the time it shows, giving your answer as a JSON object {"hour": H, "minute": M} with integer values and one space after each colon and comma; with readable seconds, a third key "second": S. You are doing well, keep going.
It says {"hour": 11, "minute": 23}
